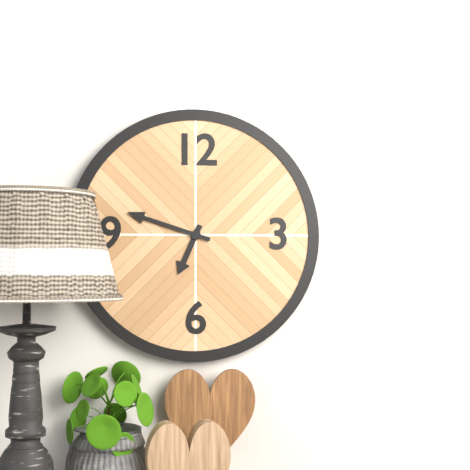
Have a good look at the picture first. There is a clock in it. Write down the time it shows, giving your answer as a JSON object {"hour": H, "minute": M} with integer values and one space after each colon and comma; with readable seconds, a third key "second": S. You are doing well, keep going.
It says {"hour": 6, "minute": 48}
